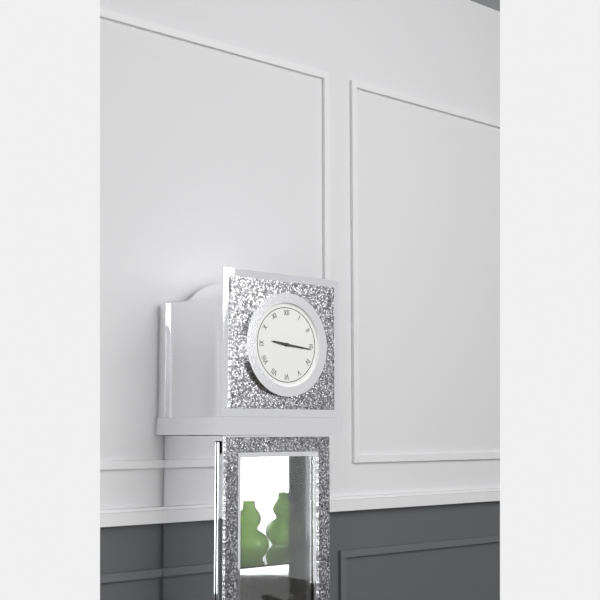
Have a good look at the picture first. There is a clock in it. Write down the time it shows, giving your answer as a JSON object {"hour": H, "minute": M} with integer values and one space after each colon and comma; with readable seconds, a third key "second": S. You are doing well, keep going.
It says {"hour": 9, "minute": 16}
